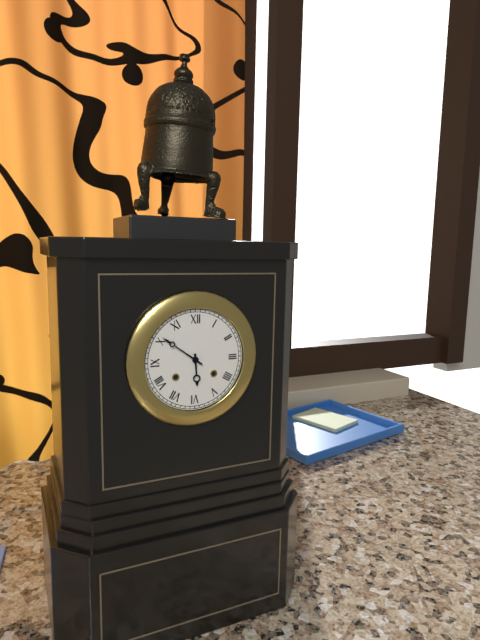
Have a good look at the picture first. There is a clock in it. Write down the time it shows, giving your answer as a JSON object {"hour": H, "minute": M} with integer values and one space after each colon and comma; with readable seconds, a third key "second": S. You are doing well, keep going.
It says {"hour": 5, "minute": 51}
